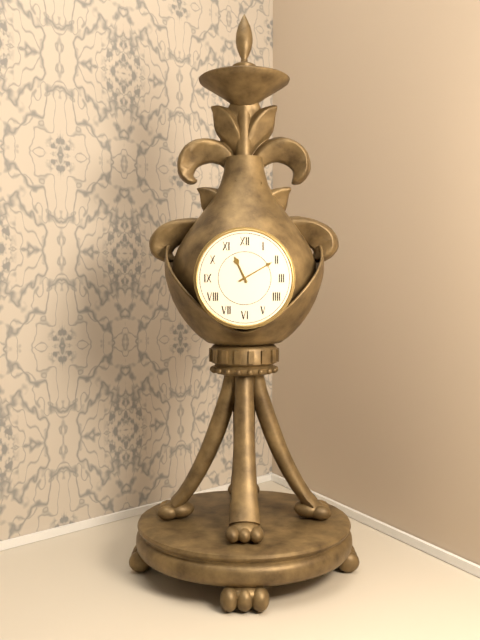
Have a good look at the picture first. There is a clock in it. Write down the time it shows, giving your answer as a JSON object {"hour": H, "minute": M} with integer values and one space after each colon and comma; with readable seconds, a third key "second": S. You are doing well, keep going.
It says {"hour": 11, "minute": 10}
